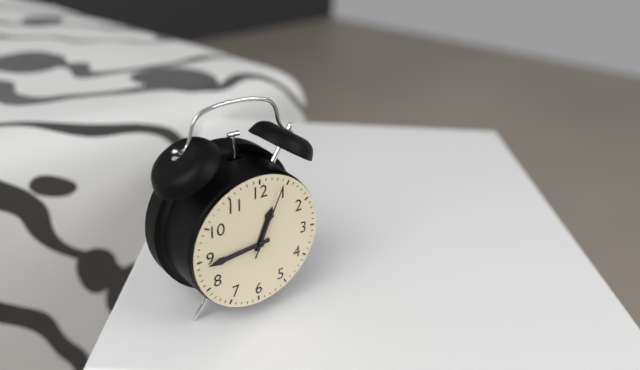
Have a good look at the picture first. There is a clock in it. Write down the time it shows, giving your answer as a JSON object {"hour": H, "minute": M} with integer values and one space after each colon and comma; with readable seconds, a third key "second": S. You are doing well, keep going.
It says {"hour": 12, "minute": 44, "second": 4}
